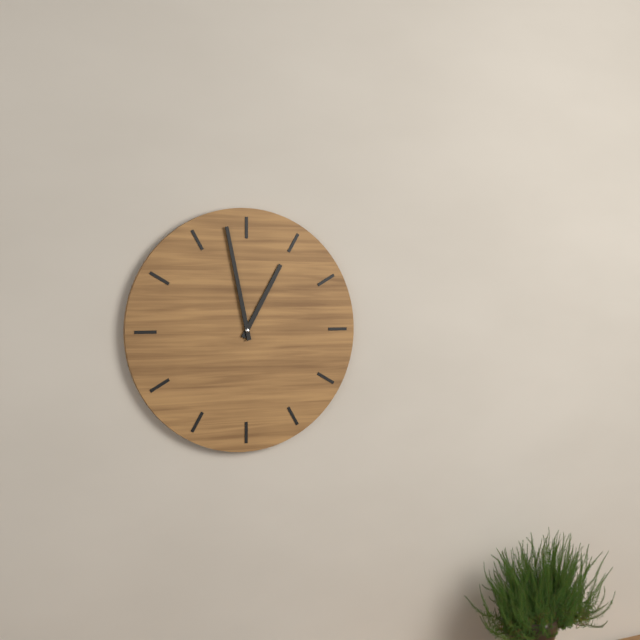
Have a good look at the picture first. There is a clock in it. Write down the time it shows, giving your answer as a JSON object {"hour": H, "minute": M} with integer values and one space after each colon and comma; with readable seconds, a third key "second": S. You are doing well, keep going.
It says {"hour": 12, "minute": 58}
